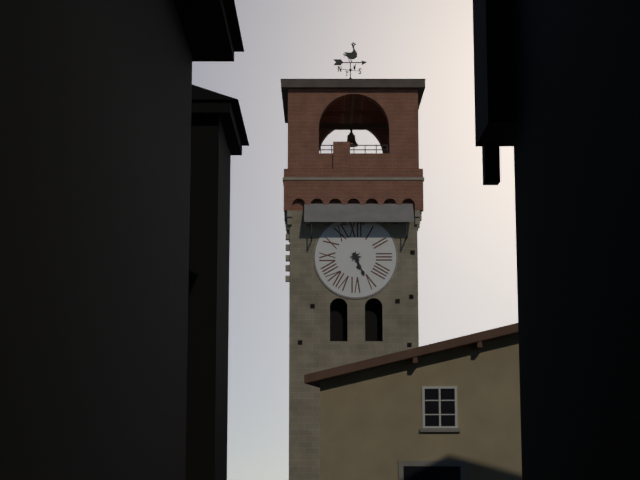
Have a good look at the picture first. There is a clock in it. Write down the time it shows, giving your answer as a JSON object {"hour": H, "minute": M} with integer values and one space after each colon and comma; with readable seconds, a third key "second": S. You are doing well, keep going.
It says {"hour": 5, "minute": 26}
